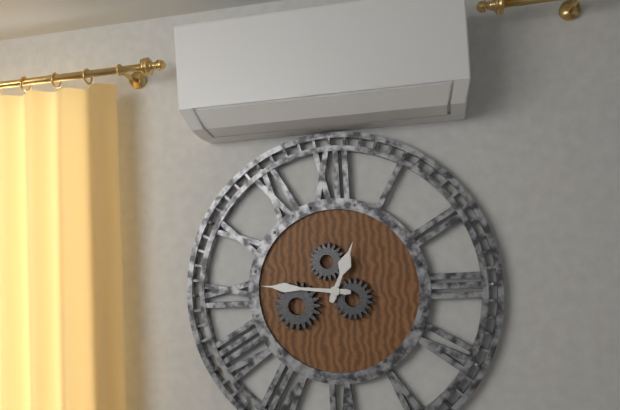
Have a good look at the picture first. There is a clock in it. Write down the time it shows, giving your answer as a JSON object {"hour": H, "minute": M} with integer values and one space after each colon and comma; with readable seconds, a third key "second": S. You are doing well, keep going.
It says {"hour": 12, "minute": 46}
